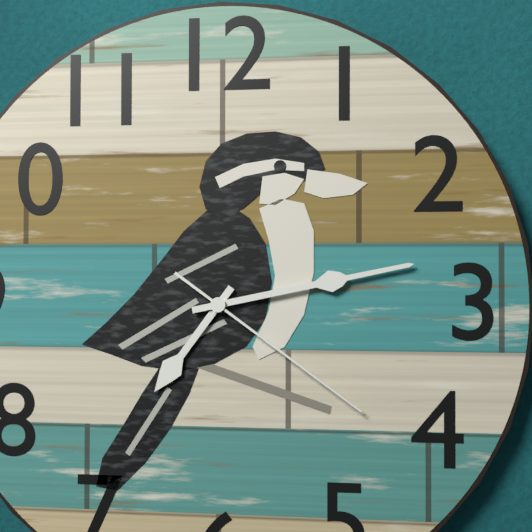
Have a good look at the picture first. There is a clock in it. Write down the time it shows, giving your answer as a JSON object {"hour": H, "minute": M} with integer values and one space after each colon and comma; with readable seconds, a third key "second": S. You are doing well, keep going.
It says {"hour": 7, "minute": 13, "second": 21}
